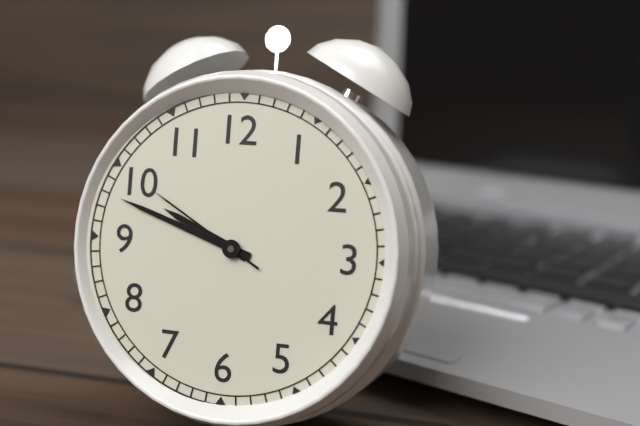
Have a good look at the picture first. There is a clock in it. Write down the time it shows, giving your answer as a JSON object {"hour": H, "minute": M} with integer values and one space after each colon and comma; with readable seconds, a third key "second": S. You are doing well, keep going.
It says {"hour": 9, "minute": 48, "second": 50}
